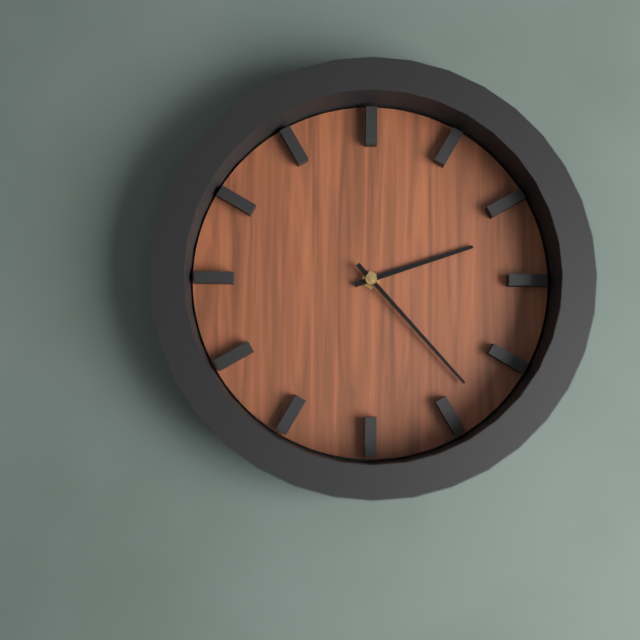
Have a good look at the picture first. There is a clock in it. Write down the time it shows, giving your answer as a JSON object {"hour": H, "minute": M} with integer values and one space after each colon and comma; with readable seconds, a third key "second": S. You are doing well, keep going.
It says {"hour": 2, "minute": 23}
